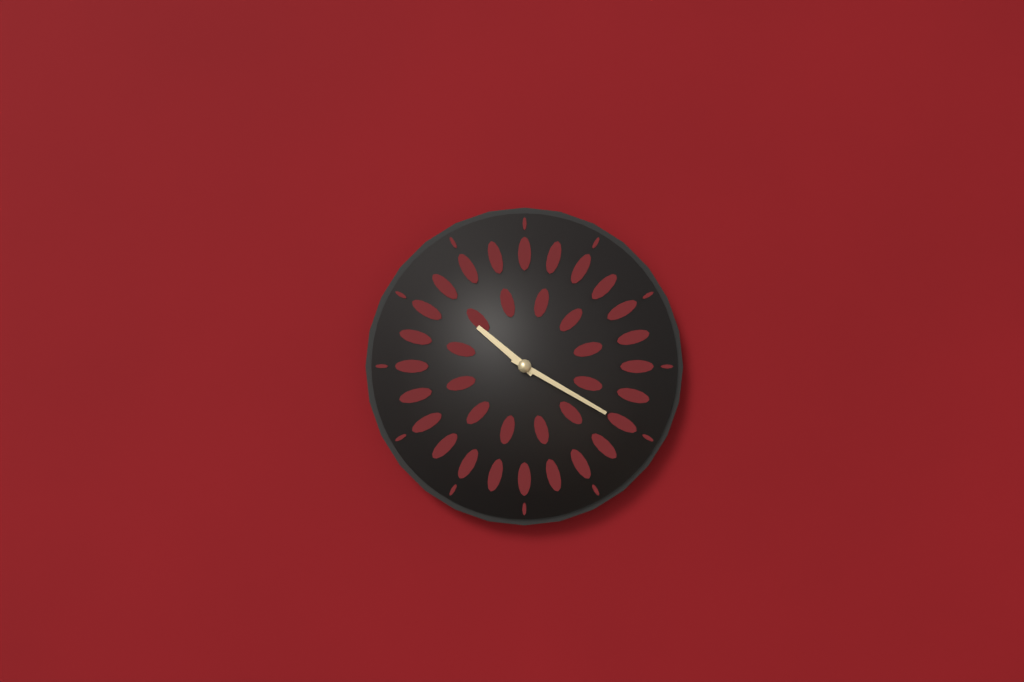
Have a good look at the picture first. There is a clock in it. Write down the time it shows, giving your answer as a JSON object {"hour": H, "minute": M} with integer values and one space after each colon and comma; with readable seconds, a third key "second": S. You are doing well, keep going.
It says {"hour": 10, "minute": 20}
